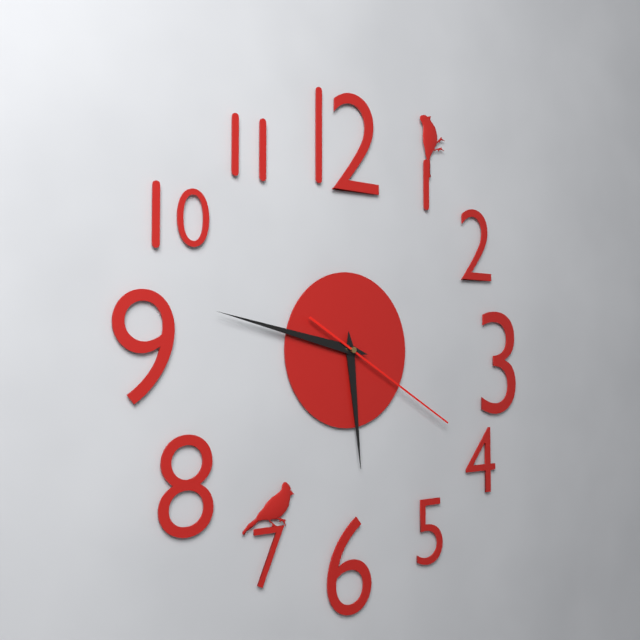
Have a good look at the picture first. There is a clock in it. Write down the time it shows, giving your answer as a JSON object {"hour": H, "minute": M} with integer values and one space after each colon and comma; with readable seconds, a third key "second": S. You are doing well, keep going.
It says {"hour": 5, "minute": 47, "second": 20}
